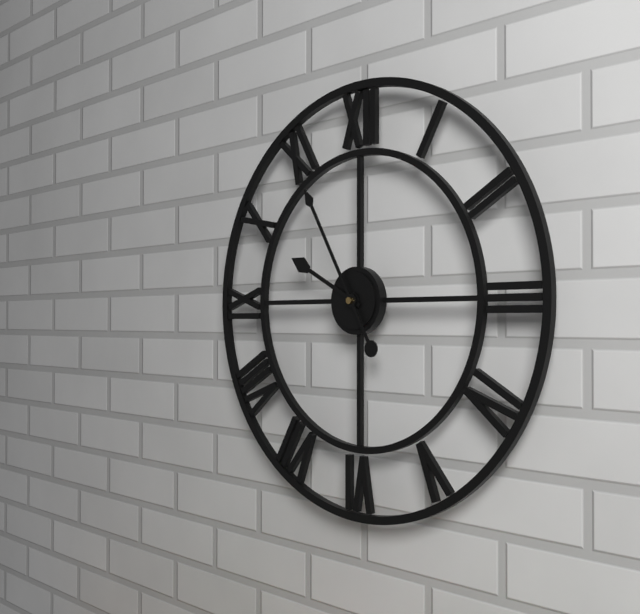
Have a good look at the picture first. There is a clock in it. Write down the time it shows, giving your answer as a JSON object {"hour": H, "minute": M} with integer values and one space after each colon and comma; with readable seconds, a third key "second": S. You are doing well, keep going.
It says {"hour": 9, "minute": 55}
